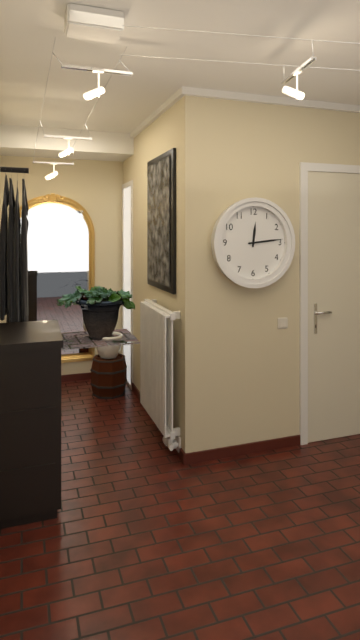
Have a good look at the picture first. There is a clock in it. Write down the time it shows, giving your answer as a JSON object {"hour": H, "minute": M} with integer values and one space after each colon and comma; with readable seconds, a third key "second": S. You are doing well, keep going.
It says {"hour": 12, "minute": 14}
